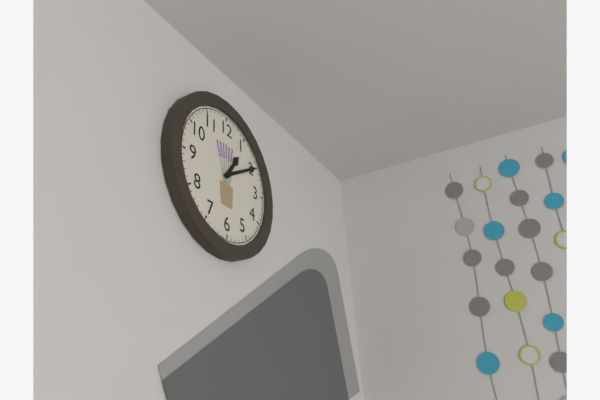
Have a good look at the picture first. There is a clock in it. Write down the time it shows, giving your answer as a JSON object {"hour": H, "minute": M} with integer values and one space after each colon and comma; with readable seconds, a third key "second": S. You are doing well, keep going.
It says {"hour": 1, "minute": 10}
